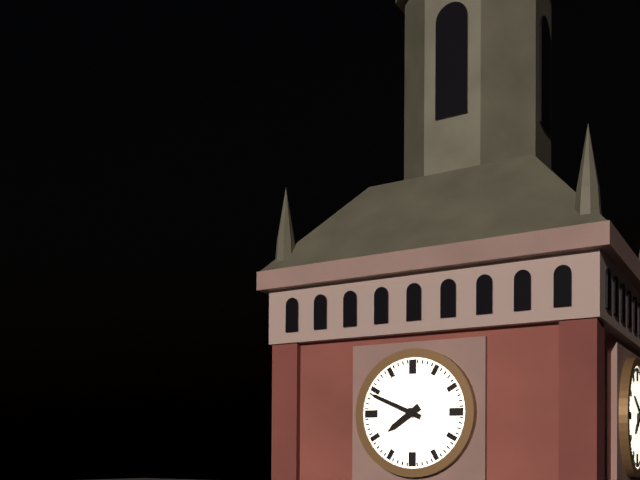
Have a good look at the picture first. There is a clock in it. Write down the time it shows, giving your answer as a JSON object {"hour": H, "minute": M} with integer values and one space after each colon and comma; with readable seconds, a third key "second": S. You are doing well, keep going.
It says {"hour": 7, "minute": 49}
